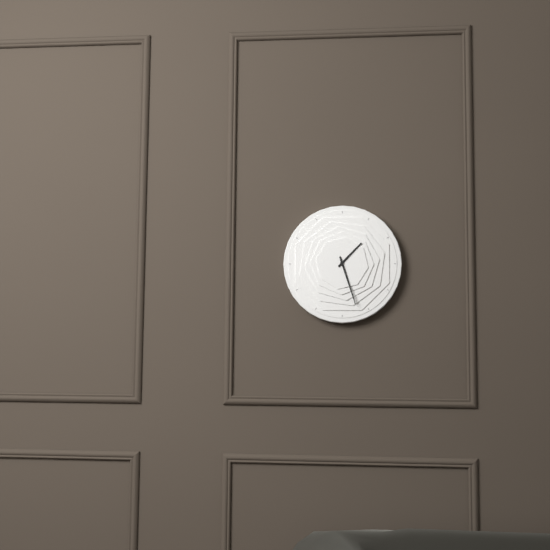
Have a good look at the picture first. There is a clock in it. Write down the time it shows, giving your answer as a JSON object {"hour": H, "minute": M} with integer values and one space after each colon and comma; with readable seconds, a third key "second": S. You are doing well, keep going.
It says {"hour": 1, "minute": 27}
